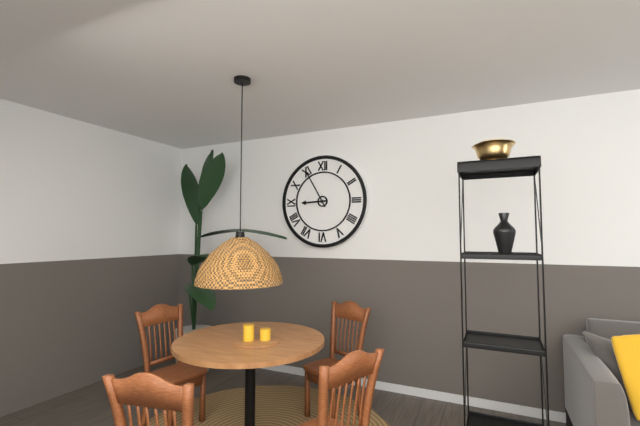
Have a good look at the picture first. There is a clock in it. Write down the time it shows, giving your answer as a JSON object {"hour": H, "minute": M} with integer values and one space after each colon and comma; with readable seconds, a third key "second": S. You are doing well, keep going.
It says {"hour": 8, "minute": 55}
